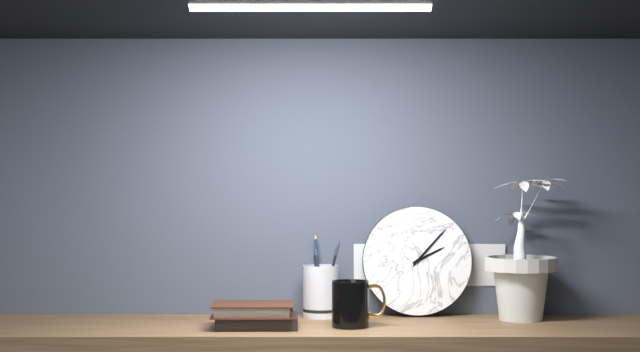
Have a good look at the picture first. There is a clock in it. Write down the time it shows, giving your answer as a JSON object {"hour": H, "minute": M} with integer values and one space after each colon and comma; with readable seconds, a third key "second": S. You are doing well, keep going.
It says {"hour": 2, "minute": 7}
